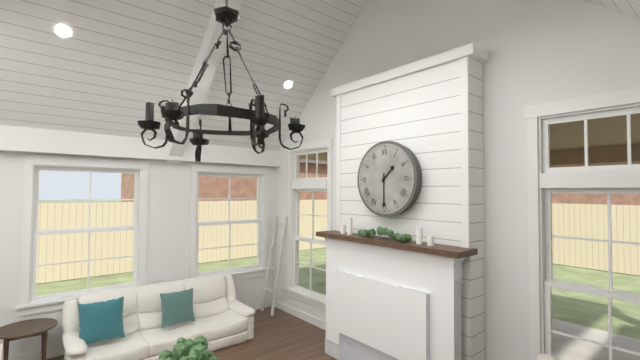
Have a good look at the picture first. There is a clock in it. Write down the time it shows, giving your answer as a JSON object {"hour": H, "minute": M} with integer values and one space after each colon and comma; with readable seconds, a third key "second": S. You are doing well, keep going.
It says {"hour": 1, "minute": 30}
